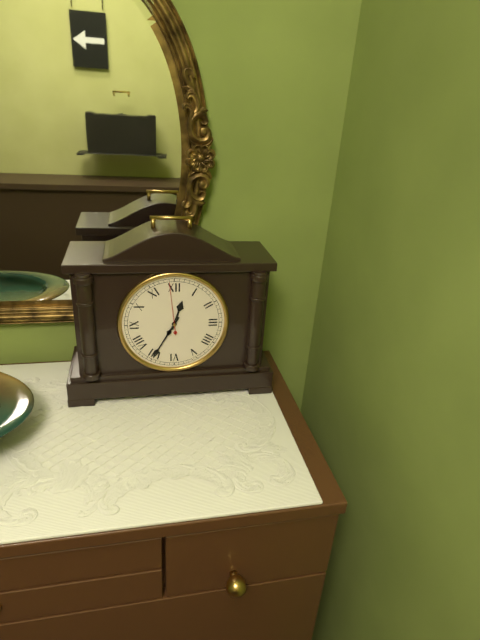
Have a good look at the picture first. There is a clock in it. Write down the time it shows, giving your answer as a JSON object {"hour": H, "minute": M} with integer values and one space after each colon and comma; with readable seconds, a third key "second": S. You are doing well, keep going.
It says {"hour": 12, "minute": 35, "second": 59}
